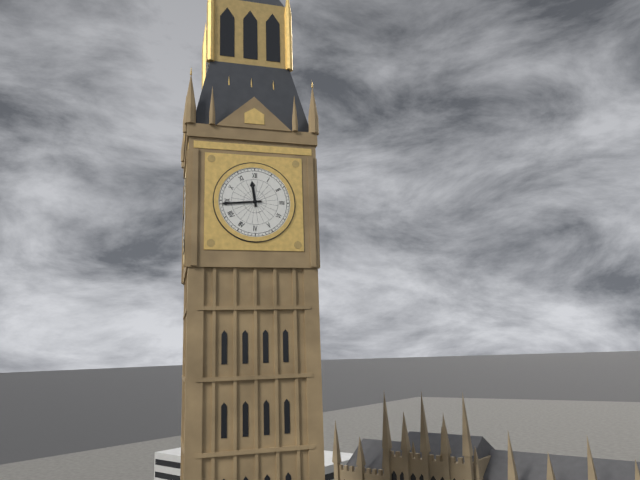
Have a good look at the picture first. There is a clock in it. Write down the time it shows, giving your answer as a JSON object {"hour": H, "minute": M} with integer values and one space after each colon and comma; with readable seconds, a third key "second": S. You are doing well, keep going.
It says {"hour": 11, "minute": 44}
